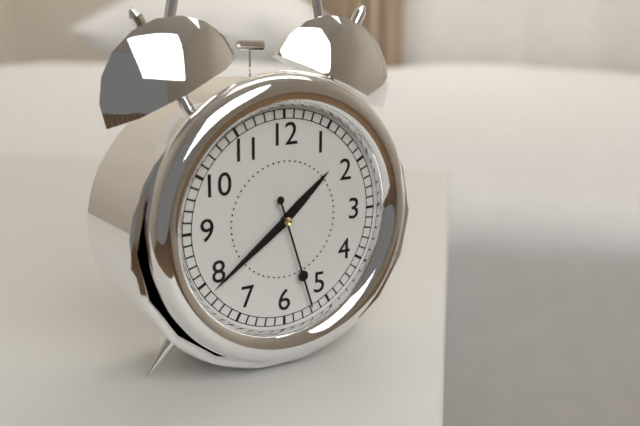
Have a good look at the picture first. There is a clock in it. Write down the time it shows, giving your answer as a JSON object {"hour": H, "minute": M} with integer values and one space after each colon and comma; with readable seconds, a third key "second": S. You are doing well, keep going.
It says {"hour": 1, "minute": 39, "second": 27}
